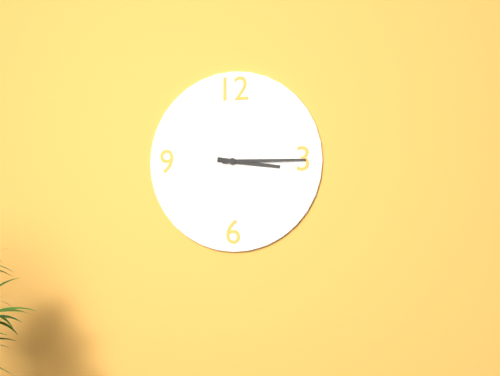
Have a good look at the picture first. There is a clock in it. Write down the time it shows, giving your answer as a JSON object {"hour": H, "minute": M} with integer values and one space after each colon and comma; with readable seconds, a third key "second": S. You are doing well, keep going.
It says {"hour": 3, "minute": 15}
